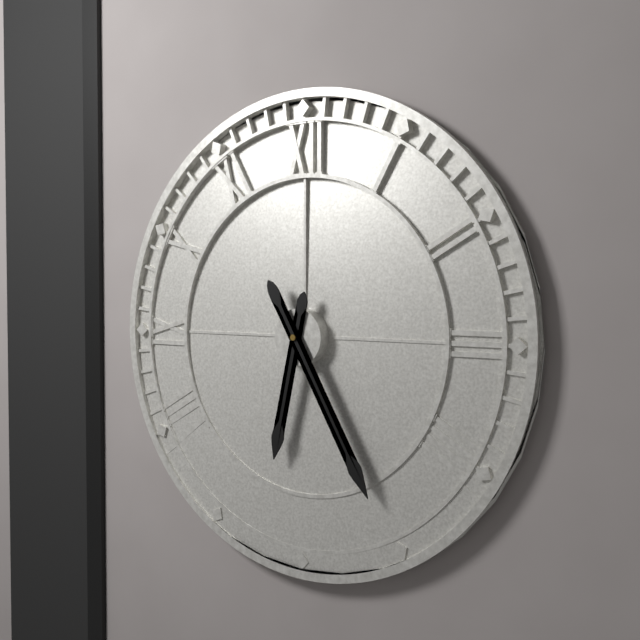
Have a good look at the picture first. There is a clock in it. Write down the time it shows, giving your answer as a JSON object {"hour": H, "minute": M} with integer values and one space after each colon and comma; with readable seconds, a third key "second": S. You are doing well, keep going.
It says {"hour": 6, "minute": 25}
